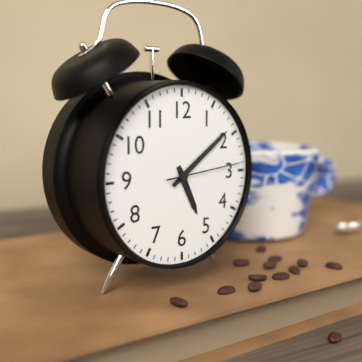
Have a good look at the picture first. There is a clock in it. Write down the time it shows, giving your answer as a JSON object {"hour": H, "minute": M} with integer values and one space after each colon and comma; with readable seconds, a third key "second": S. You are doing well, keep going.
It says {"hour": 5, "minute": 9, "second": 14}
